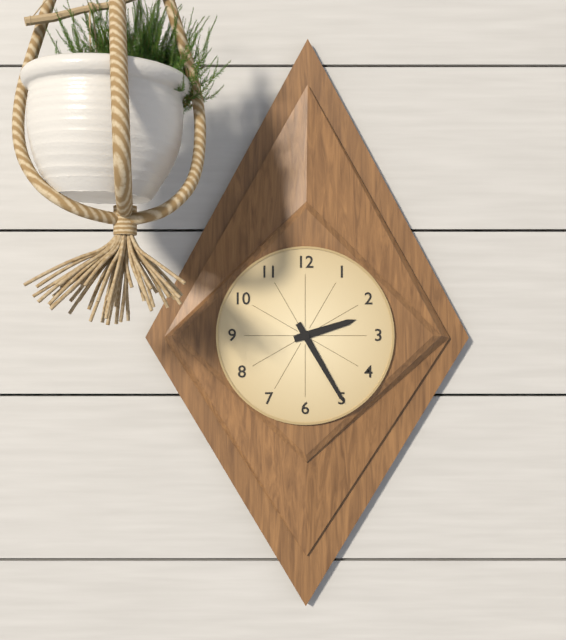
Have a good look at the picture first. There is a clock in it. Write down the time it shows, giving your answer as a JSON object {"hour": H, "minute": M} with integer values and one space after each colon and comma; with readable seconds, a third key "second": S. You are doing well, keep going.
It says {"hour": 2, "minute": 25}
